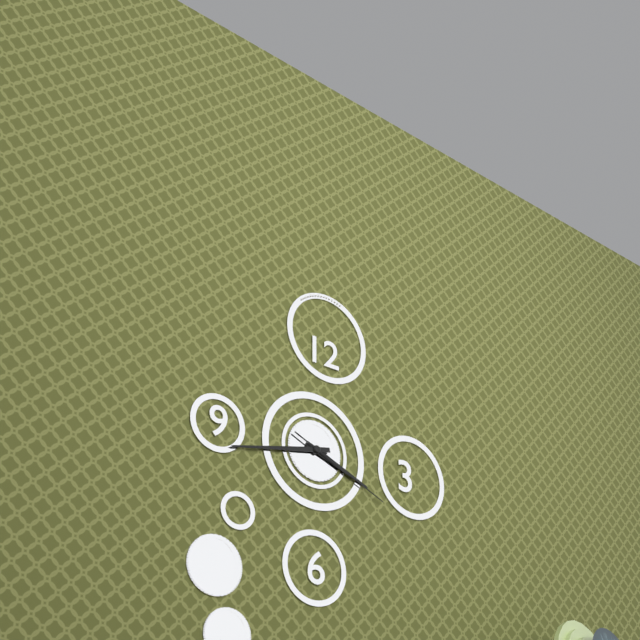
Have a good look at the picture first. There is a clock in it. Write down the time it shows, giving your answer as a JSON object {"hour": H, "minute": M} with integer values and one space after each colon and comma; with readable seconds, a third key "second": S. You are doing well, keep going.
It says {"hour": 3, "minute": 43, "second": 19}
